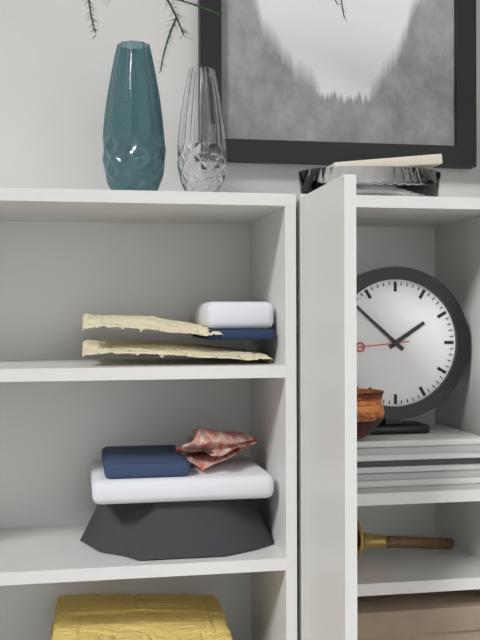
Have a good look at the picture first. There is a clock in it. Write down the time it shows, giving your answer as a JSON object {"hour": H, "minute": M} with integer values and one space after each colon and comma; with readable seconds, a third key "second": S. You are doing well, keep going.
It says {"hour": 1, "minute": 52, "second": 44}
